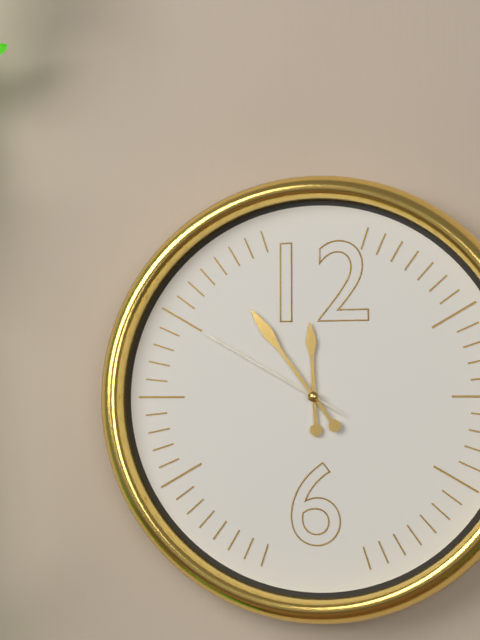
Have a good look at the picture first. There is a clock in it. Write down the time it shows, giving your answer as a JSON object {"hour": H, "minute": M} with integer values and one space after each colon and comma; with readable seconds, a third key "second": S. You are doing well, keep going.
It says {"hour": 11, "minute": 54, "second": 50}
